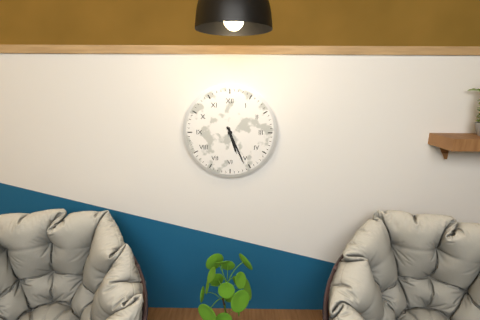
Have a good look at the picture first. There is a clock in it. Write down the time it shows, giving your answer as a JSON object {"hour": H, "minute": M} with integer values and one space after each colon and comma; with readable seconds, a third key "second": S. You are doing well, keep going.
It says {"hour": 5, "minute": 26}
